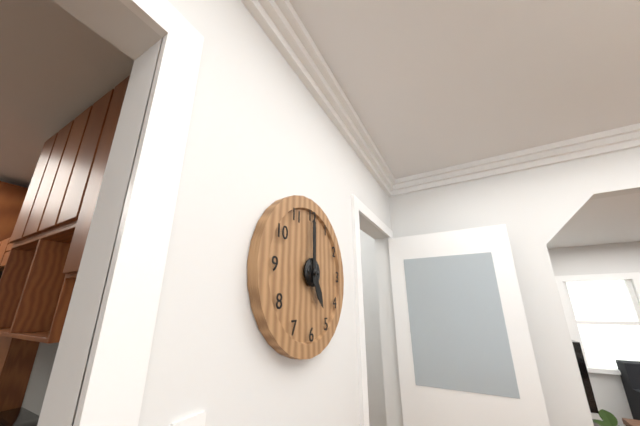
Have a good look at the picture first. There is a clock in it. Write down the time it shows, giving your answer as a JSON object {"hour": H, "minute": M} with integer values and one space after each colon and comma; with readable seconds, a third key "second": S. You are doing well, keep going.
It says {"hour": 5, "minute": 0}
